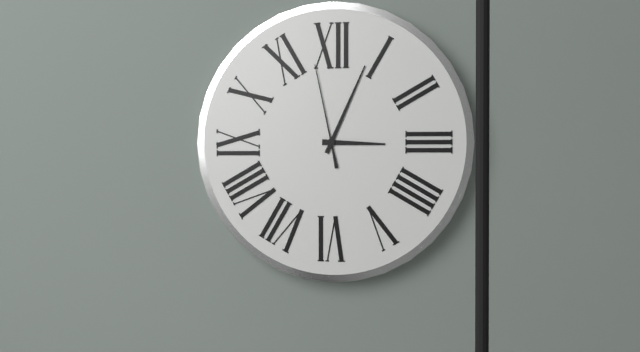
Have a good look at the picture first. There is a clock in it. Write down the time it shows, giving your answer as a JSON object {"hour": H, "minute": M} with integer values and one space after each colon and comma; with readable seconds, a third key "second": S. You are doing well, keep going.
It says {"hour": 3, "minute": 4, "second": 58}
